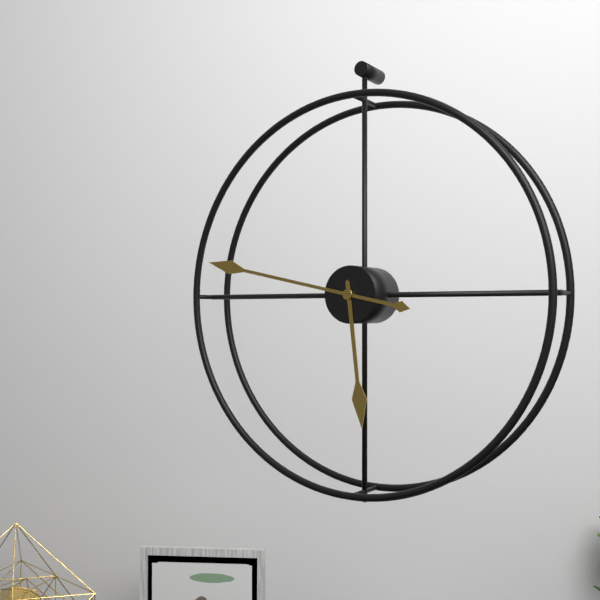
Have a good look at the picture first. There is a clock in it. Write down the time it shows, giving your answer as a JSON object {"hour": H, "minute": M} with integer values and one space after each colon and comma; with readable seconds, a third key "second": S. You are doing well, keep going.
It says {"hour": 5, "minute": 47}
